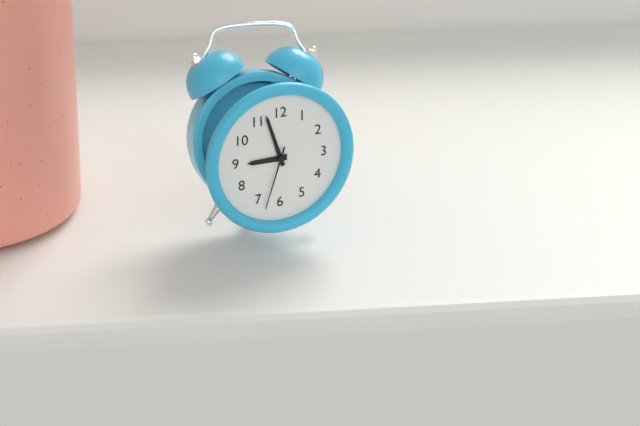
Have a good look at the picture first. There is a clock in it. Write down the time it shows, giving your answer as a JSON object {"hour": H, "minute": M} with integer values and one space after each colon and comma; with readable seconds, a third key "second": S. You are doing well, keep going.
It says {"hour": 8, "minute": 57, "second": 33}
